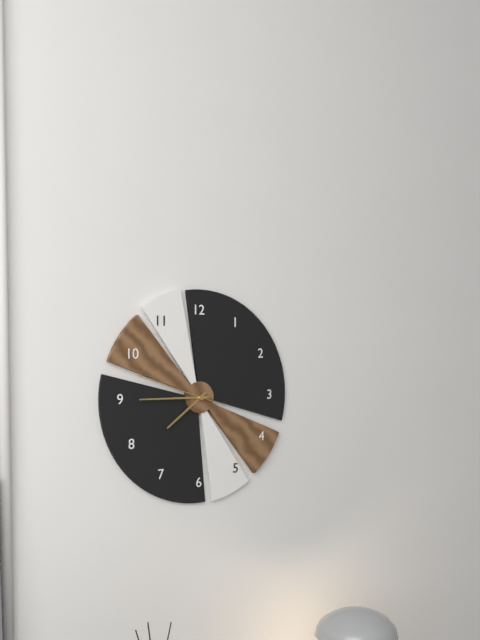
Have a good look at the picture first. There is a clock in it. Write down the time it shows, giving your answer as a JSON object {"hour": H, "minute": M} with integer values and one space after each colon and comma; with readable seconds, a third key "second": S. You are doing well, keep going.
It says {"hour": 7, "minute": 45, "second": 48}
